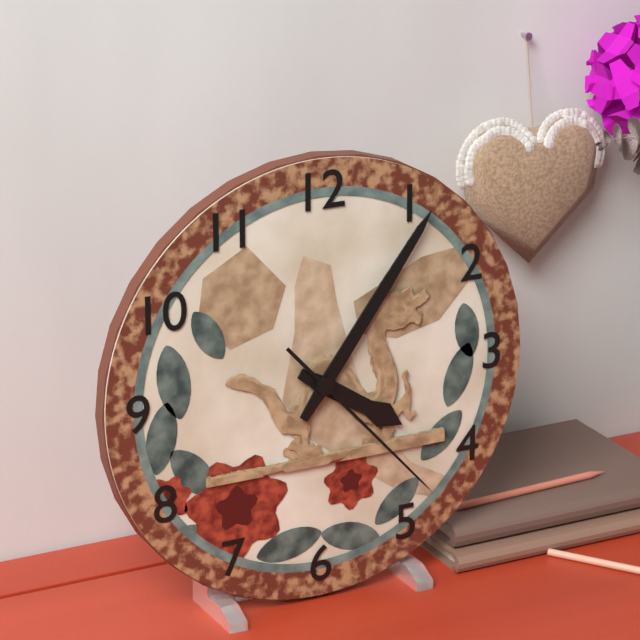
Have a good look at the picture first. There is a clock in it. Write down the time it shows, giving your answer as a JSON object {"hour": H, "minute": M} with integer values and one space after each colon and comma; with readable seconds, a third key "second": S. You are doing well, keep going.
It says {"hour": 4, "minute": 6, "second": 23}
